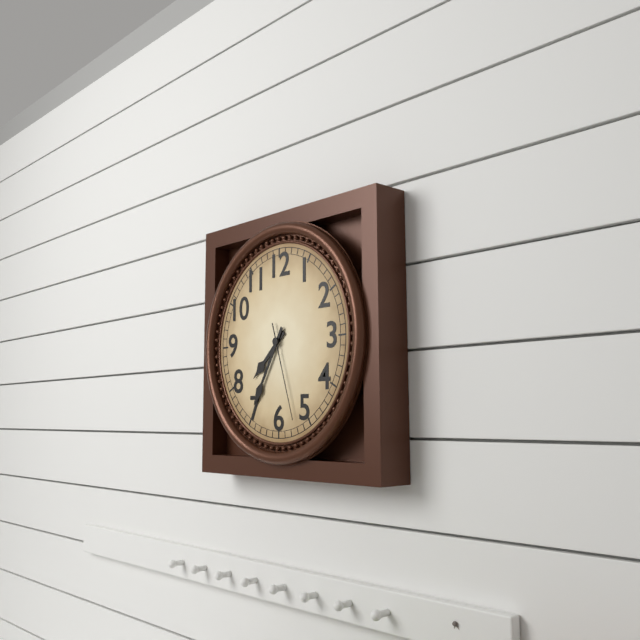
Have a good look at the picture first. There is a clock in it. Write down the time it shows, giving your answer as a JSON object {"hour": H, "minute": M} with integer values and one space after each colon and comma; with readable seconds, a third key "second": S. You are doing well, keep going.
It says {"hour": 7, "minute": 35, "second": 27}
